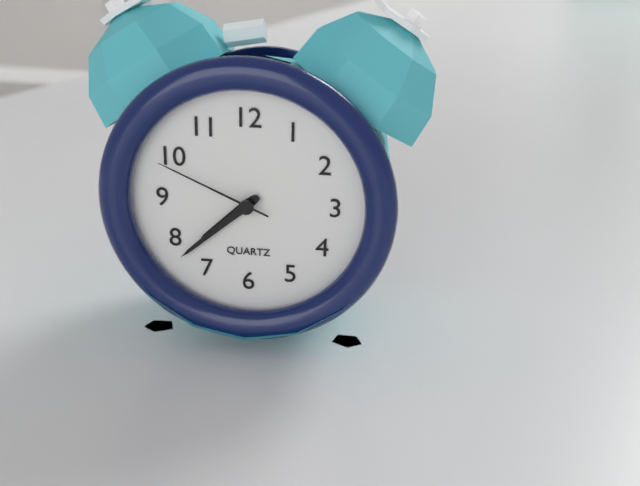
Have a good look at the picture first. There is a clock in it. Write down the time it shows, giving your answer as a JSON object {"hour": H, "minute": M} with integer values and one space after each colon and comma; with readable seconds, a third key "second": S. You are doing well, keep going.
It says {"hour": 7, "minute": 38, "second": 49}
